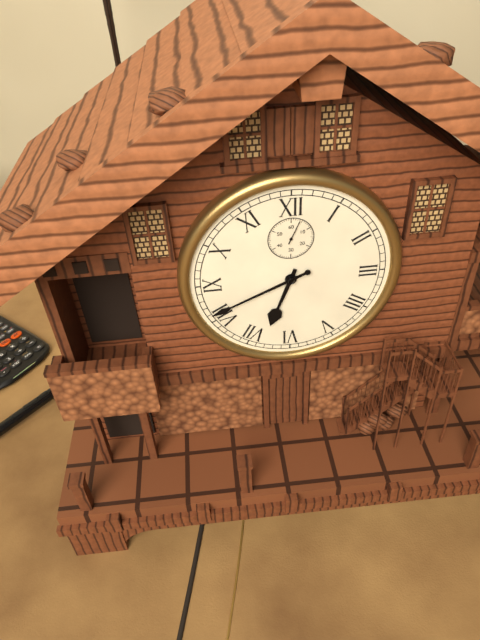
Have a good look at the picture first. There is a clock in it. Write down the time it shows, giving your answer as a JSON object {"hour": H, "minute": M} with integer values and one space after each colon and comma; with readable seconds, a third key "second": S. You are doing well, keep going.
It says {"hour": 6, "minute": 41}
